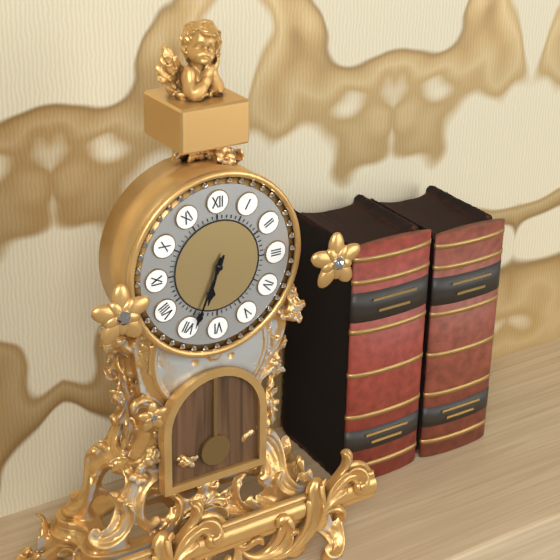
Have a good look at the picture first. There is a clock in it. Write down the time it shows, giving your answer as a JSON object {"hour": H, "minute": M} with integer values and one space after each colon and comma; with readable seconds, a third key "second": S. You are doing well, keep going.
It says {"hour": 6, "minute": 34}
